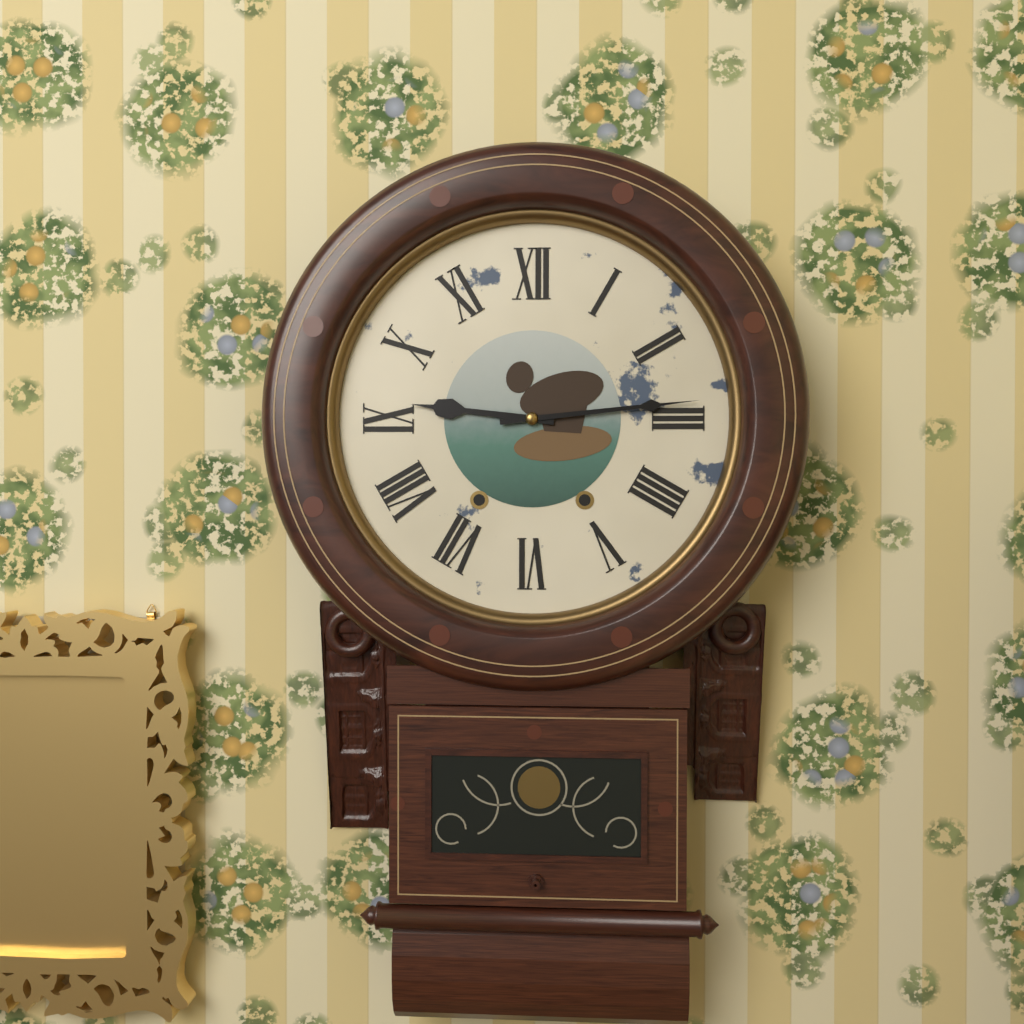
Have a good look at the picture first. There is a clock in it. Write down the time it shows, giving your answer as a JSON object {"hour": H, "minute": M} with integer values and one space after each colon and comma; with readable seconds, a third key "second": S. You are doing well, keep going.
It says {"hour": 9, "minute": 14}
